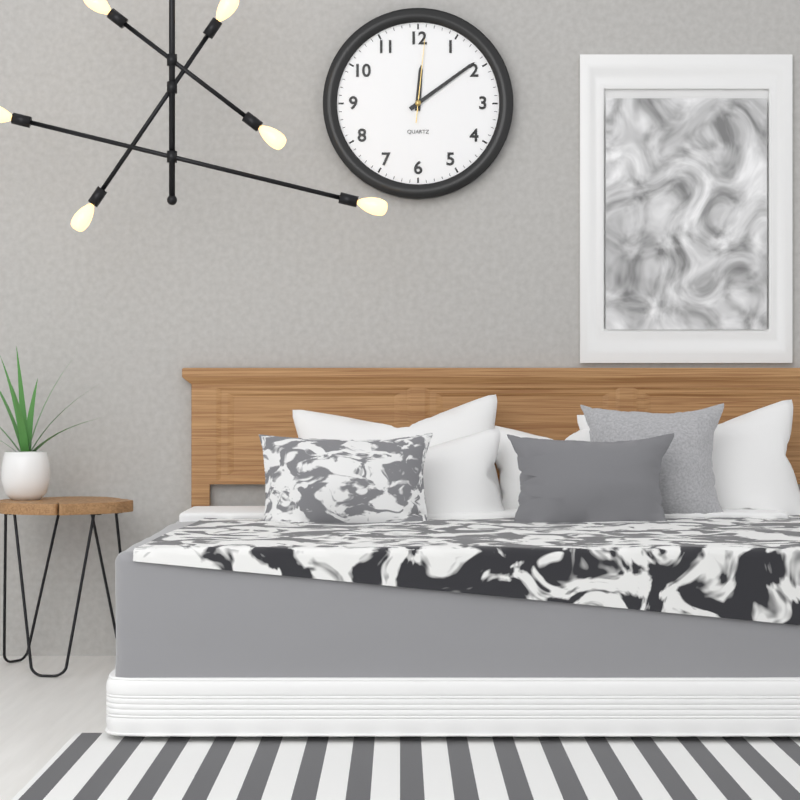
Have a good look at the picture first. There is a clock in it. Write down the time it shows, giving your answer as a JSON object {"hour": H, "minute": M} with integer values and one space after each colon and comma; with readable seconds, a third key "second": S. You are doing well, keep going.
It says {"hour": 12, "minute": 9, "second": 1}
